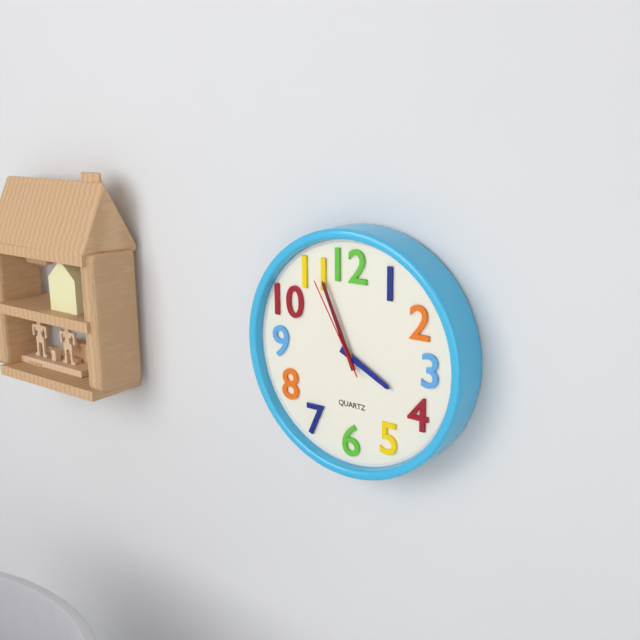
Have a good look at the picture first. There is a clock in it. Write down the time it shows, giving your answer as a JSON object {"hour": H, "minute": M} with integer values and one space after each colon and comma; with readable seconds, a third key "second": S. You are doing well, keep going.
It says {"hour": 3, "minute": 56, "second": 55}
